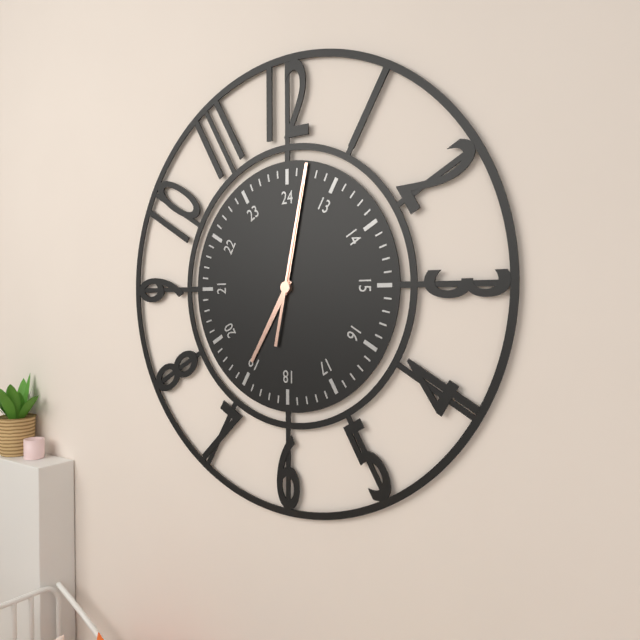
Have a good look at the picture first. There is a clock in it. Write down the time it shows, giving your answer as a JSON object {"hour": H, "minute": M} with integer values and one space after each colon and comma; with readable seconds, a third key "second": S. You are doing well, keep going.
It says {"hour": 7, "minute": 2, "second": 2}
